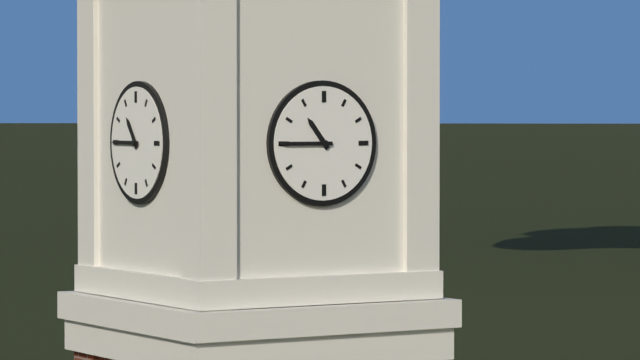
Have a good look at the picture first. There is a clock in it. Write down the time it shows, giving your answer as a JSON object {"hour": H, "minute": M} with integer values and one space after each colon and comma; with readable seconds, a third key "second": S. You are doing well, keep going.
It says {"hour": 10, "minute": 45}
